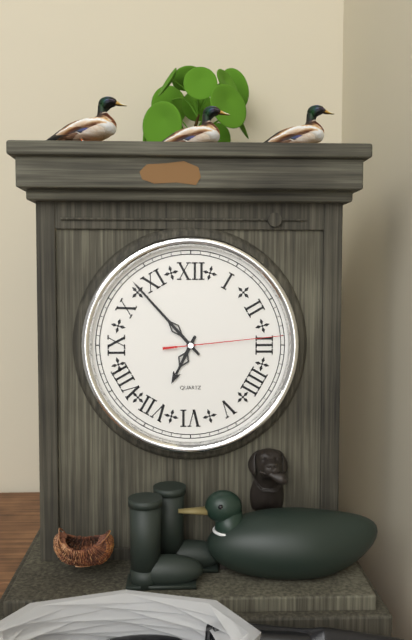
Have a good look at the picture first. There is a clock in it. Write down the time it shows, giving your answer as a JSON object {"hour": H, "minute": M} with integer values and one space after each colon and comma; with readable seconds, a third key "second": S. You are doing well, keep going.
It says {"hour": 6, "minute": 53, "second": 14}
